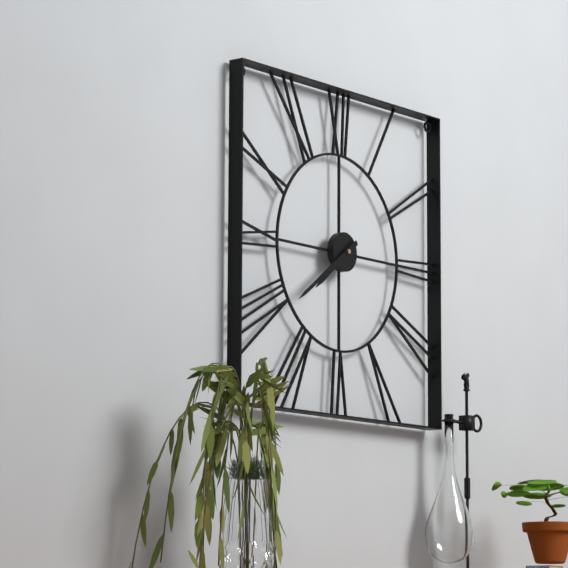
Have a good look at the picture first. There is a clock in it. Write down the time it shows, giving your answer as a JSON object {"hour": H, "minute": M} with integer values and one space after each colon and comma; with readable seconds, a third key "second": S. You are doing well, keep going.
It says {"hour": 7, "minute": 39}
